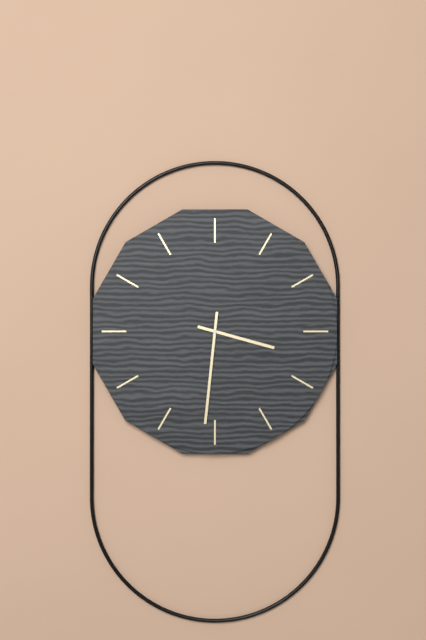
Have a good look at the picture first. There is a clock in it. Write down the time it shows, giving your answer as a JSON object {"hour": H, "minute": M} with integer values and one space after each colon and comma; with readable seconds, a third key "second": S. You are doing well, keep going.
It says {"hour": 3, "minute": 31}
